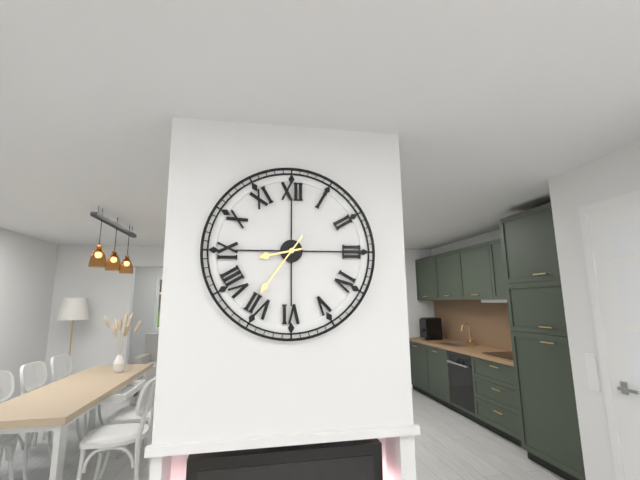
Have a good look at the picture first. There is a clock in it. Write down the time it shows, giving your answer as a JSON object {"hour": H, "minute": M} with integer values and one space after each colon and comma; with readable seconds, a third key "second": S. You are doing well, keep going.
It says {"hour": 8, "minute": 36}
